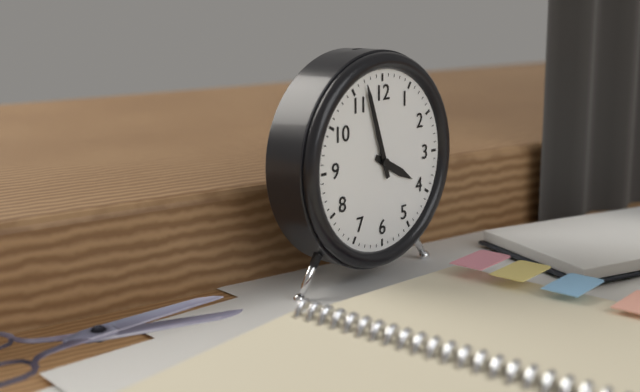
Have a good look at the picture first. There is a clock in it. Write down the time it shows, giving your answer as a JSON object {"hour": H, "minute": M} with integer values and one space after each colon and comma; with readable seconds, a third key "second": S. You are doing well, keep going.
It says {"hour": 3, "minute": 57}
